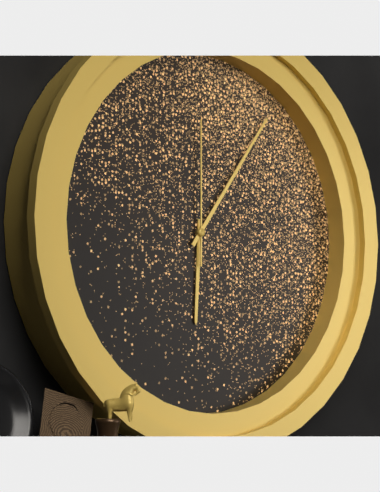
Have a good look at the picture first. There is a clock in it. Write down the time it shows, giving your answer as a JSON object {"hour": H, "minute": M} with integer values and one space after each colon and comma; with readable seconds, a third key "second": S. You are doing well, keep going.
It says {"hour": 6, "minute": 6, "second": 0}
